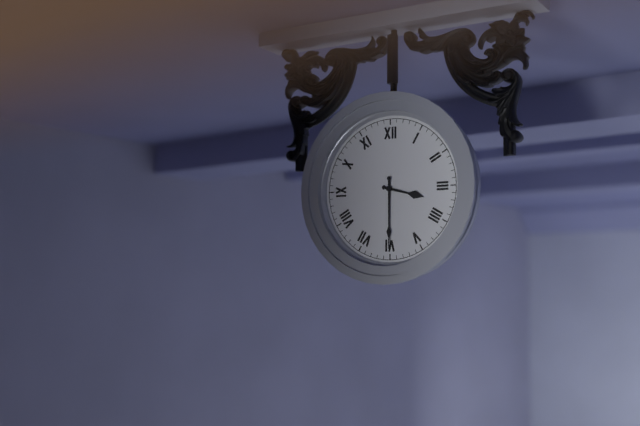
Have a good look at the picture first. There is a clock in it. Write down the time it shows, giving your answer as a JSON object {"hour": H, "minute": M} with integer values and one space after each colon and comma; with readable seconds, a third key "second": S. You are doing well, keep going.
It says {"hour": 3, "minute": 30}
